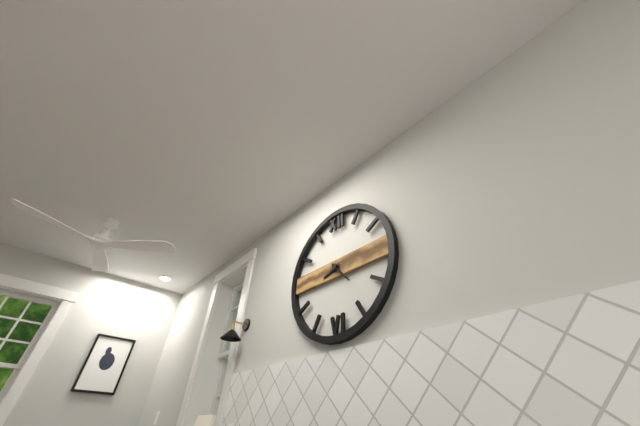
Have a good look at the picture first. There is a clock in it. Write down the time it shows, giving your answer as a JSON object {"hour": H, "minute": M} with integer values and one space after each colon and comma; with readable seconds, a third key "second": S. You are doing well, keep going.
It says {"hour": 8, "minute": 23}
